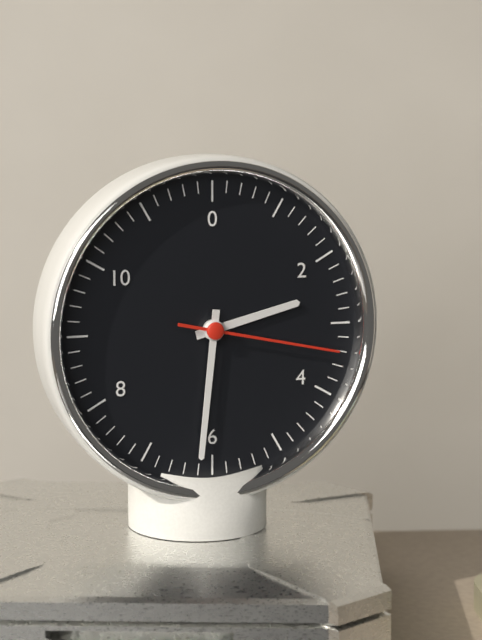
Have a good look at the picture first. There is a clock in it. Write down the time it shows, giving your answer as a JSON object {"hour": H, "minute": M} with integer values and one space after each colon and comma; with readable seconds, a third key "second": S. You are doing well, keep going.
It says {"hour": 2, "minute": 31, "second": 17}
